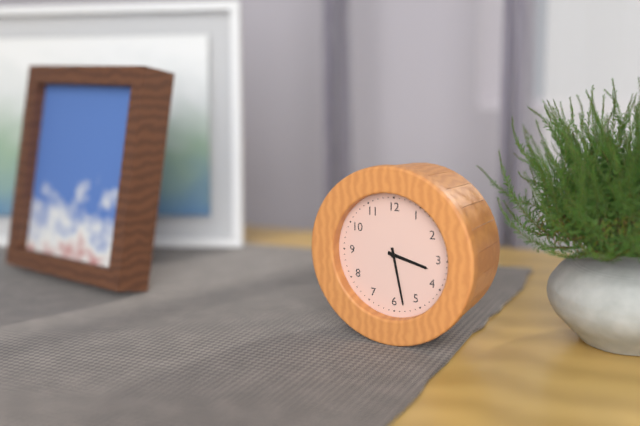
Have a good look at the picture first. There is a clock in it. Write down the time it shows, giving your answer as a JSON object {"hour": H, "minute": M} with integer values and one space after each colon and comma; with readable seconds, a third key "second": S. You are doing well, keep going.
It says {"hour": 3, "minute": 28}
